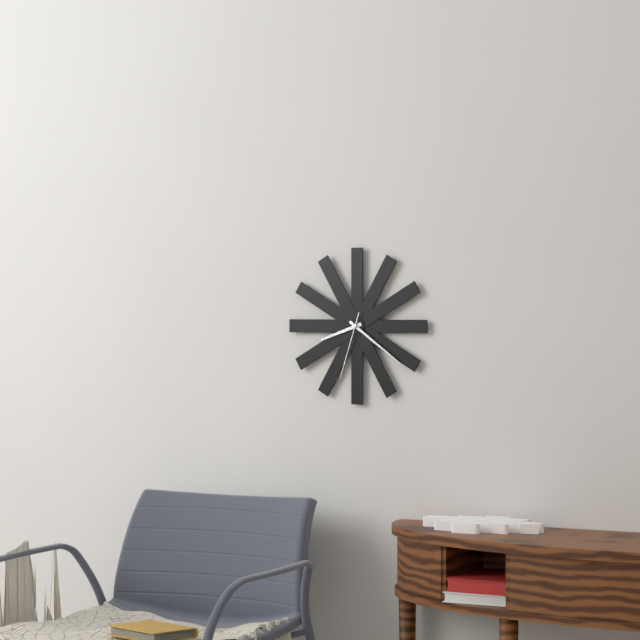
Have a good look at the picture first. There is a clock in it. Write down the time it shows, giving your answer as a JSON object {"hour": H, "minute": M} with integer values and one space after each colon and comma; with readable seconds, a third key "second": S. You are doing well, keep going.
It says {"hour": 8, "minute": 21, "second": 33}
